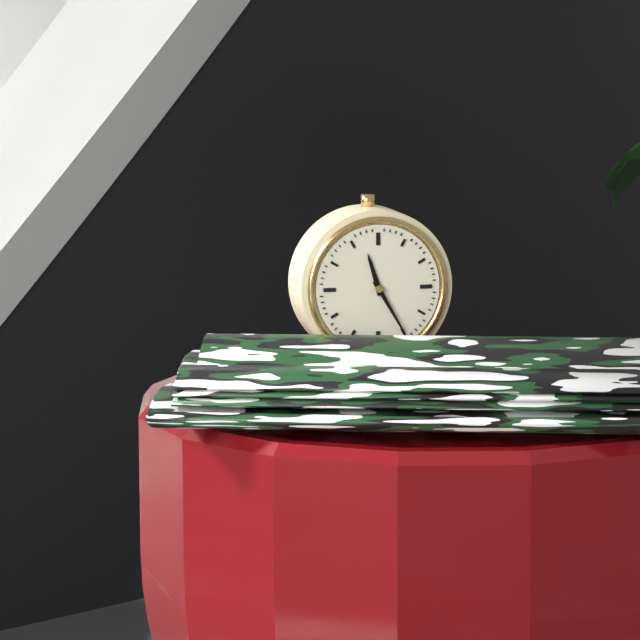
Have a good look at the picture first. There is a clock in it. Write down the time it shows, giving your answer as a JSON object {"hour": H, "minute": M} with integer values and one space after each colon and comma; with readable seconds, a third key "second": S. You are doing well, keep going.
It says {"hour": 11, "minute": 25}
